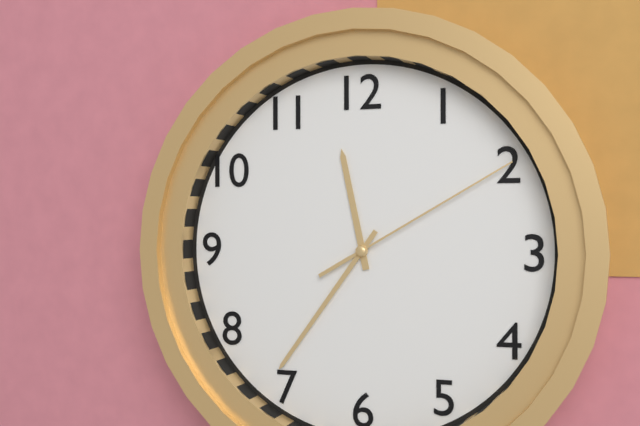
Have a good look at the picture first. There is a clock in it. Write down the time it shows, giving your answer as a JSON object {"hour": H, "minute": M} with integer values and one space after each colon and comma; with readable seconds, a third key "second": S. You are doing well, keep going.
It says {"hour": 11, "minute": 36, "second": 10}
